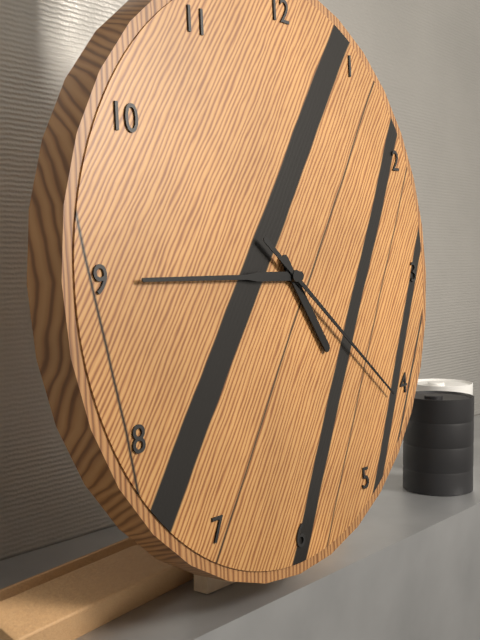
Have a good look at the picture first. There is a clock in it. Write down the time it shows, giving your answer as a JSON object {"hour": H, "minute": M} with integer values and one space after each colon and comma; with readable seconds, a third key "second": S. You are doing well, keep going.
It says {"hour": 4, "minute": 45, "second": 21}
